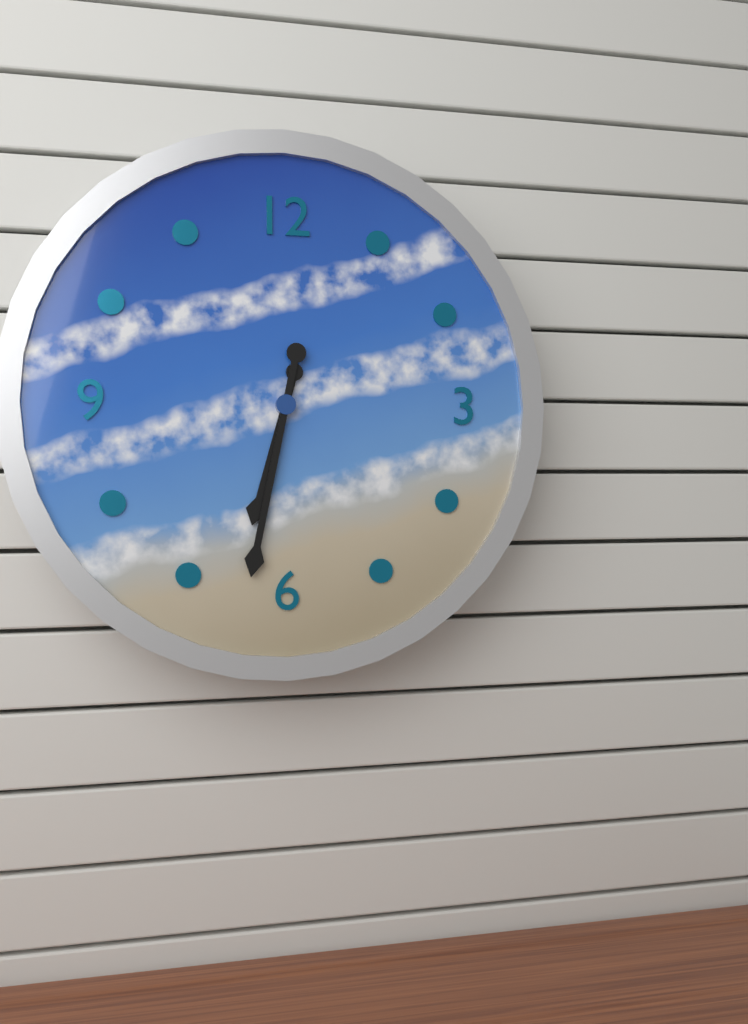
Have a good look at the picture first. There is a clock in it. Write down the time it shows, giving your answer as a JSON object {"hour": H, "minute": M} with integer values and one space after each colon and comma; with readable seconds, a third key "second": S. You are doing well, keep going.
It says {"hour": 6, "minute": 32}
